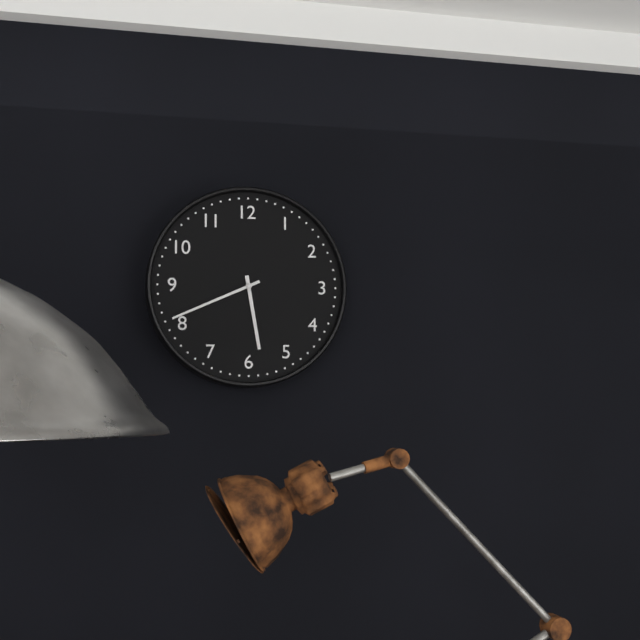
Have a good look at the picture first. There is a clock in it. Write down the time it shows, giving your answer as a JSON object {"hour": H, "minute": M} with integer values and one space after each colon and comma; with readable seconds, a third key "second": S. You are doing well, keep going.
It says {"hour": 5, "minute": 41}
